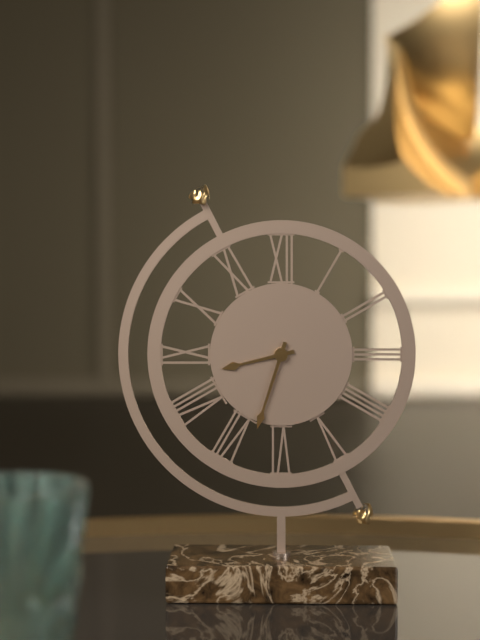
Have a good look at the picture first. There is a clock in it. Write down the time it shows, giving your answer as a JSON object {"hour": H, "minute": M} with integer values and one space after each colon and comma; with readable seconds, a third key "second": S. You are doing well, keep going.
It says {"hour": 8, "minute": 33}
